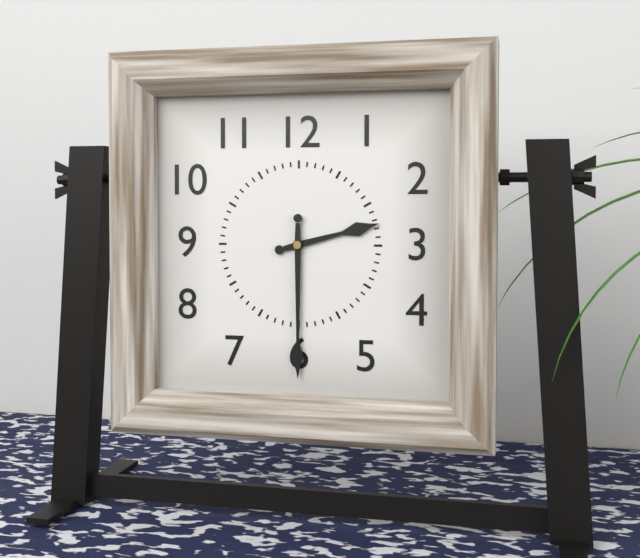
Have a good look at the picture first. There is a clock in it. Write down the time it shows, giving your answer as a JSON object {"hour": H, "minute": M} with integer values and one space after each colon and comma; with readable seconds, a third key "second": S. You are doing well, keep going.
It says {"hour": 2, "minute": 30}
